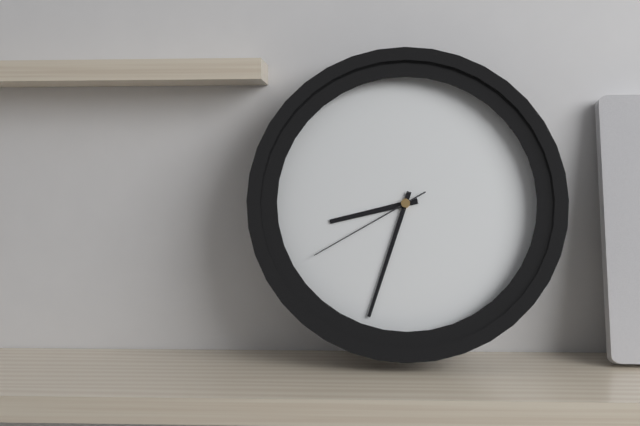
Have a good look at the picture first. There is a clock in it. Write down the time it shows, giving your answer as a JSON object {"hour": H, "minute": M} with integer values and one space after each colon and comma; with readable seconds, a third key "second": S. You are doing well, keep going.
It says {"hour": 8, "minute": 33, "second": 40}
